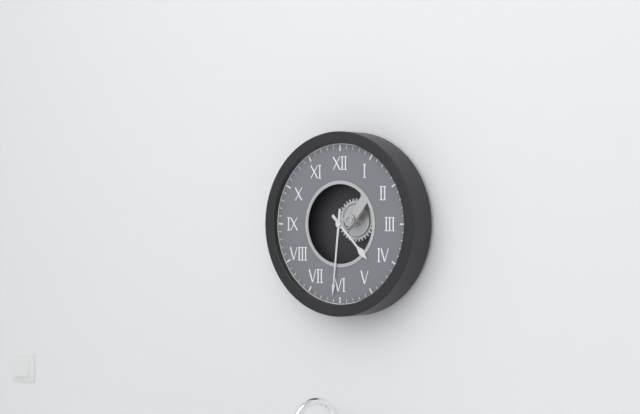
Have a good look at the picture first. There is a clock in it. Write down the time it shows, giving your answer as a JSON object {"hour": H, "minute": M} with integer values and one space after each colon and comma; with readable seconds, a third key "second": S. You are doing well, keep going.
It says {"hour": 4, "minute": 31}
